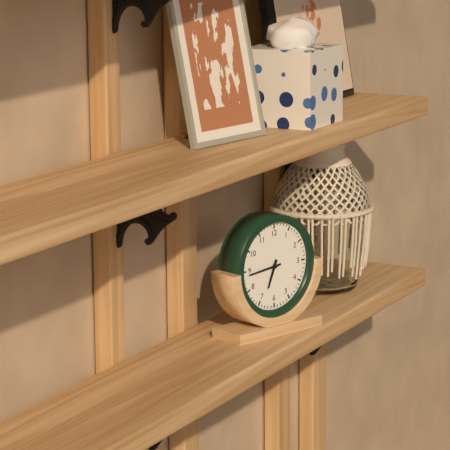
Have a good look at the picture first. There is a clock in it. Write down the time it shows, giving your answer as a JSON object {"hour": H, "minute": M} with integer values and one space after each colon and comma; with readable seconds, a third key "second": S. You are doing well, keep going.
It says {"hour": 6, "minute": 44}
